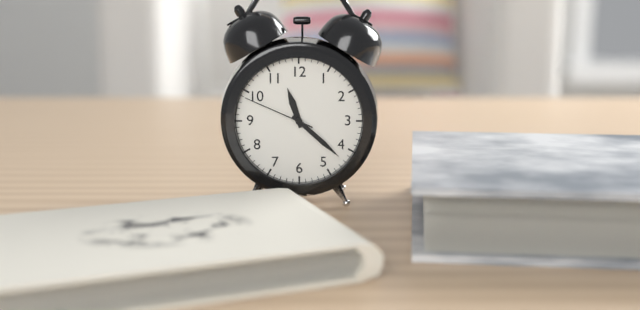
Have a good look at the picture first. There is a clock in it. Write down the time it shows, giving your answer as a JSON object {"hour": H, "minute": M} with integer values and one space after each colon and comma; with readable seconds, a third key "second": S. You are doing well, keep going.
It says {"hour": 11, "minute": 22, "second": 49}
